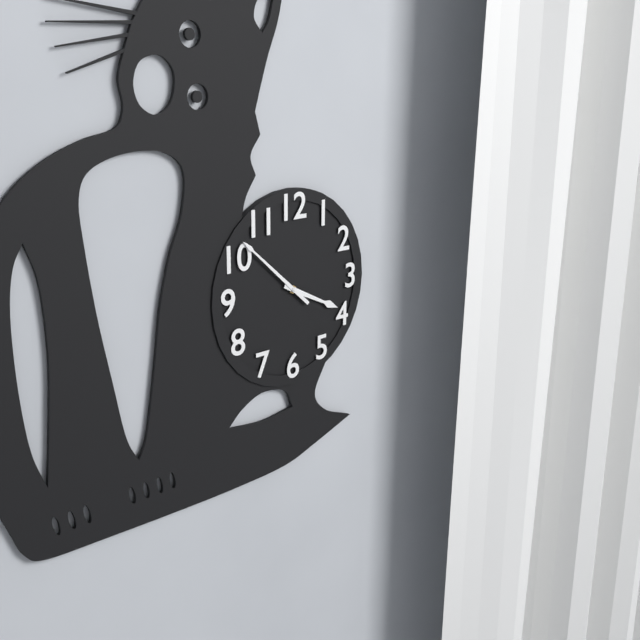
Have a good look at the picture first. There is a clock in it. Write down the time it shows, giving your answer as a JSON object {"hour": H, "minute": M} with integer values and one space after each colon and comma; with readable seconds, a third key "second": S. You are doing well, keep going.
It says {"hour": 3, "minute": 52}
